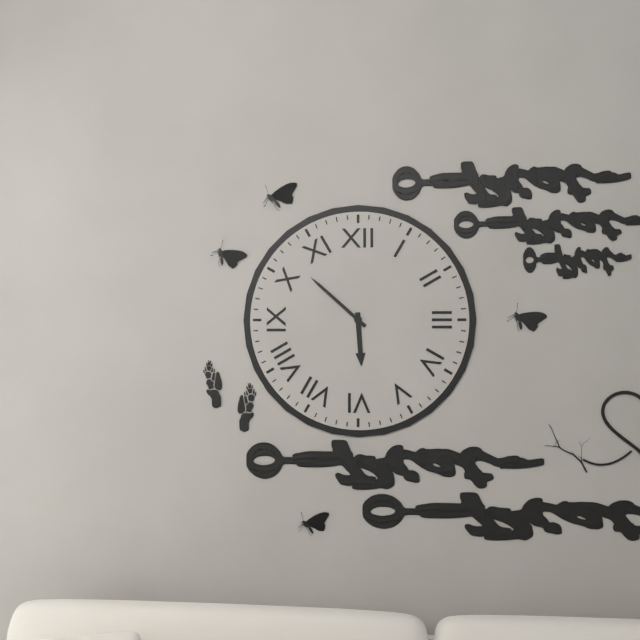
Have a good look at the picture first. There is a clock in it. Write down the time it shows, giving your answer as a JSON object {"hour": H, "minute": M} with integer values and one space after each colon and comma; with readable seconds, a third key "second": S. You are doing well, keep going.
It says {"hour": 5, "minute": 52}
